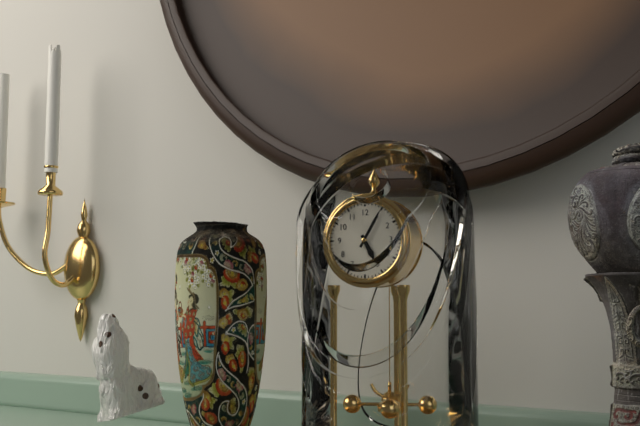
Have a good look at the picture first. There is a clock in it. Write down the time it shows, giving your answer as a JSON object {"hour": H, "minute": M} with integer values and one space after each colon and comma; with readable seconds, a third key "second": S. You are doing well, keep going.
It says {"hour": 5, "minute": 5}
